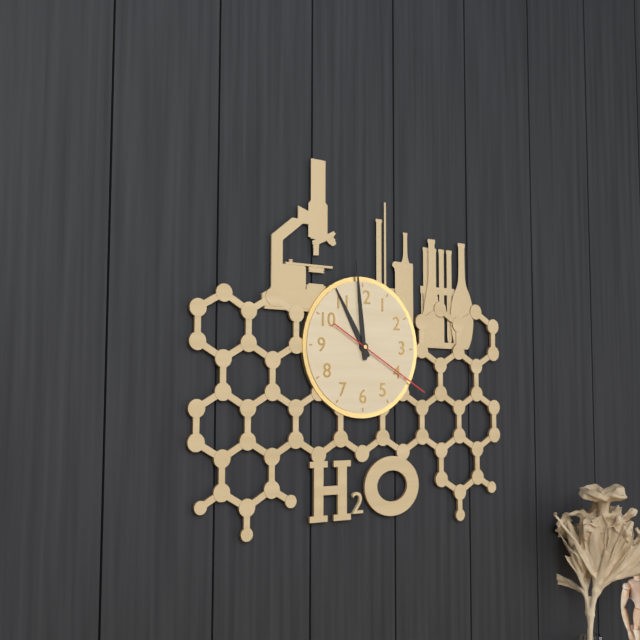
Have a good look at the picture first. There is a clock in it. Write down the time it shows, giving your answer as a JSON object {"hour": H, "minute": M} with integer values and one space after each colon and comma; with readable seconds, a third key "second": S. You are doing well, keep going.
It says {"hour": 10, "minute": 59, "second": 20}
